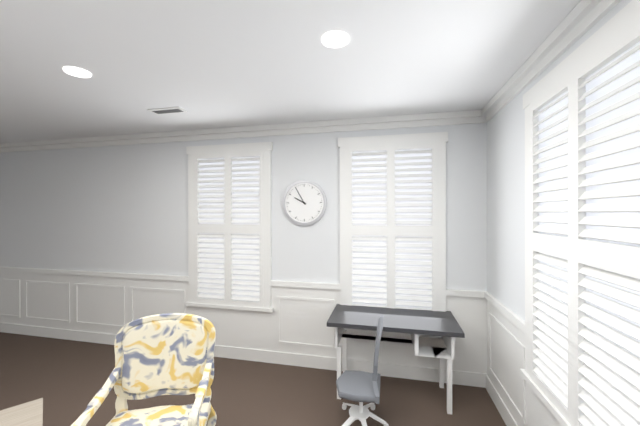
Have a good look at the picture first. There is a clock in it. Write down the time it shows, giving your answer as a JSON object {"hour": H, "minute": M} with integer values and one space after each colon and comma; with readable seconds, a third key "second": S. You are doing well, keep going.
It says {"hour": 9, "minute": 55}
